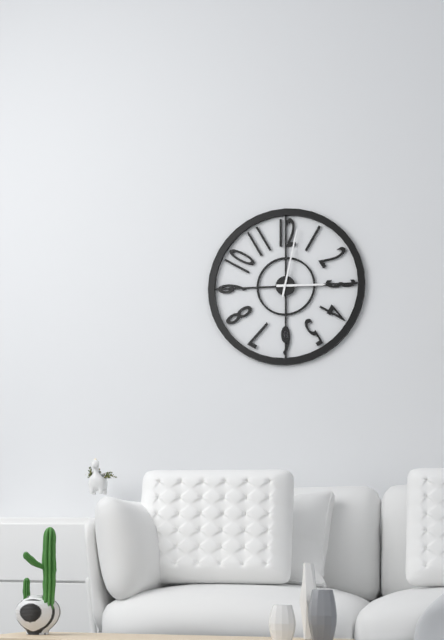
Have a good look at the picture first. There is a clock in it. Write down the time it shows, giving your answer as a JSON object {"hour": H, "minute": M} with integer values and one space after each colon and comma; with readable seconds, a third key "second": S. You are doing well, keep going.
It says {"hour": 3, "minute": 2}
